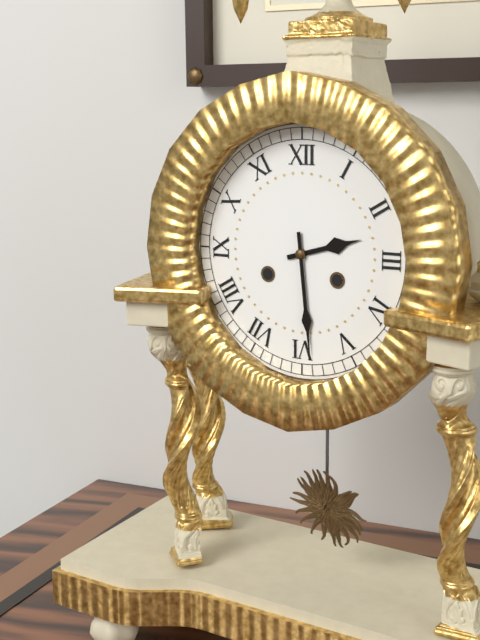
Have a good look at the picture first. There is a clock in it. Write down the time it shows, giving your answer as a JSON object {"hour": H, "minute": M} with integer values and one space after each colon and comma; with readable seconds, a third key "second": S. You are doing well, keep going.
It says {"hour": 2, "minute": 29}
